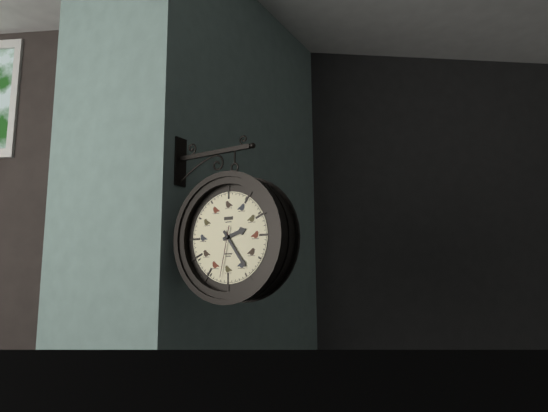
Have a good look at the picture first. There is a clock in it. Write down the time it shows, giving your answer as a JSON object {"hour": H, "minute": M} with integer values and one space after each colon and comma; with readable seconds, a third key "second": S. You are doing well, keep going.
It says {"hour": 2, "minute": 24, "second": 32}
